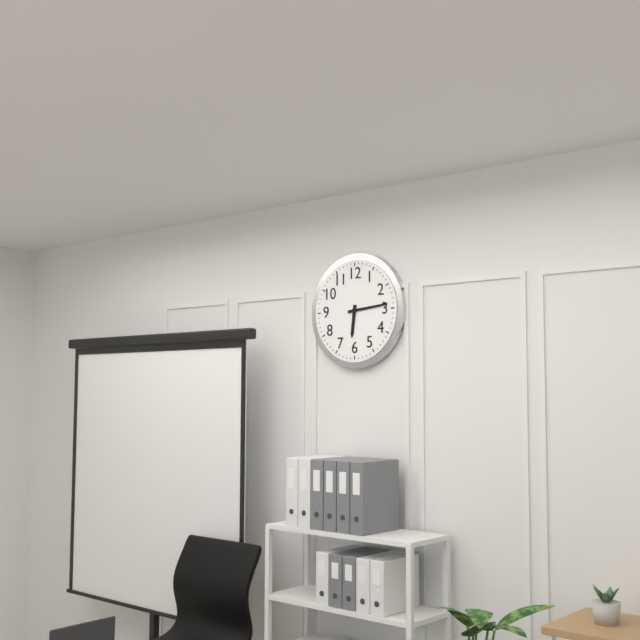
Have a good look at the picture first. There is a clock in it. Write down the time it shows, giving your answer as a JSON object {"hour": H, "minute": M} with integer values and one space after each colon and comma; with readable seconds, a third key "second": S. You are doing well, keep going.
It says {"hour": 6, "minute": 14}
